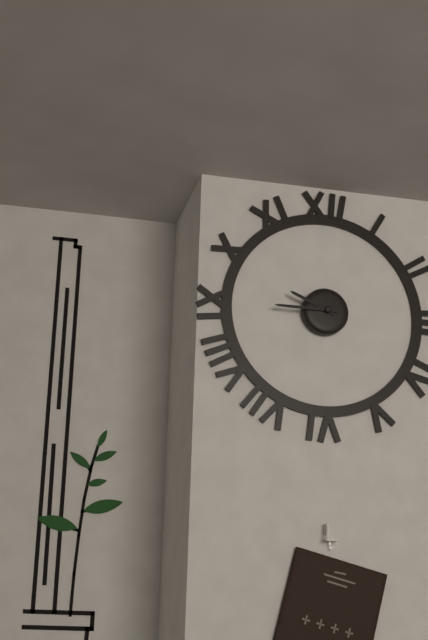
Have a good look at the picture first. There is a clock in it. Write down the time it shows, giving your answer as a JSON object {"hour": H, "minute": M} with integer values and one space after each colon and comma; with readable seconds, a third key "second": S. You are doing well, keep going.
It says {"hour": 9, "minute": 45}
